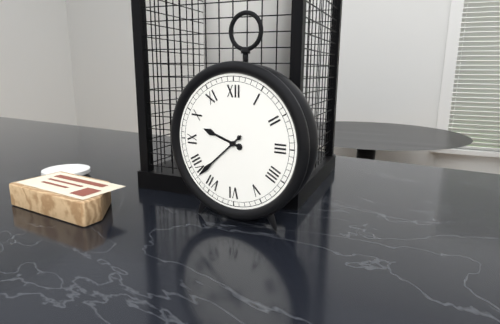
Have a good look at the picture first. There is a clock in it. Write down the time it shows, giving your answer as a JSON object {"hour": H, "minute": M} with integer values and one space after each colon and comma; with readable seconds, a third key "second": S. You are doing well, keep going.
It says {"hour": 9, "minute": 38}
